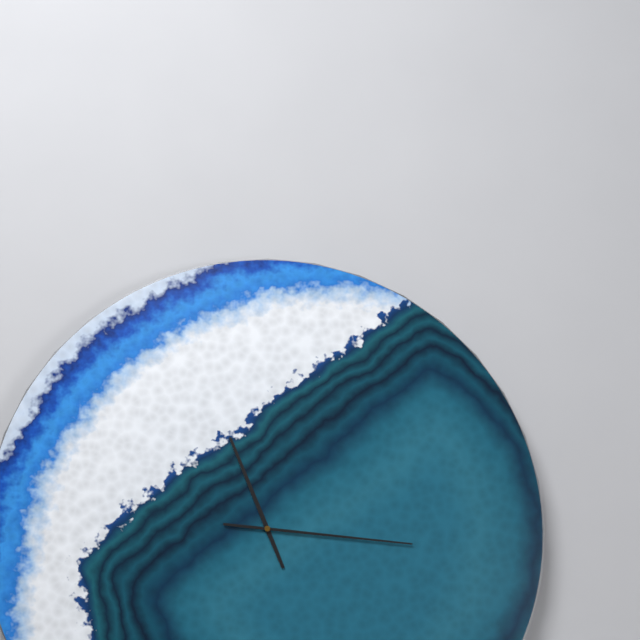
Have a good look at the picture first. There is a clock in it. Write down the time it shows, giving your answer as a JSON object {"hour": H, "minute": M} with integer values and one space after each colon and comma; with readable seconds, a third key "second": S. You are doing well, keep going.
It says {"hour": 11, "minute": 16}
